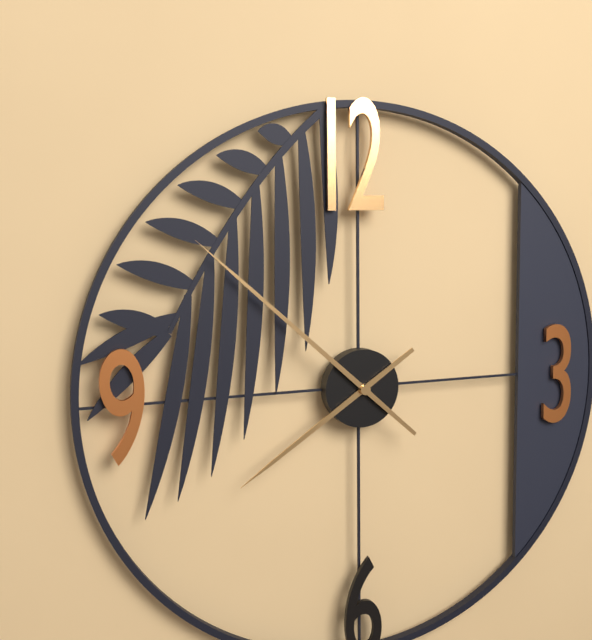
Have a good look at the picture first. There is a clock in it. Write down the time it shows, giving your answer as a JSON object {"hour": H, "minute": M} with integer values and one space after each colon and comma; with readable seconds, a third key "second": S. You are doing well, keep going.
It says {"hour": 7, "minute": 52}
